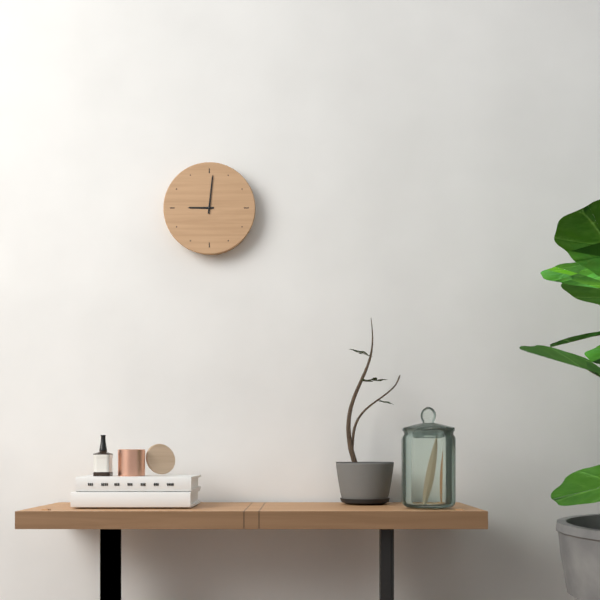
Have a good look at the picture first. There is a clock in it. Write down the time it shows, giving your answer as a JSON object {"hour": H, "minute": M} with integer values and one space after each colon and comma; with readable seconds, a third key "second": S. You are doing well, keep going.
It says {"hour": 9, "minute": 1}
